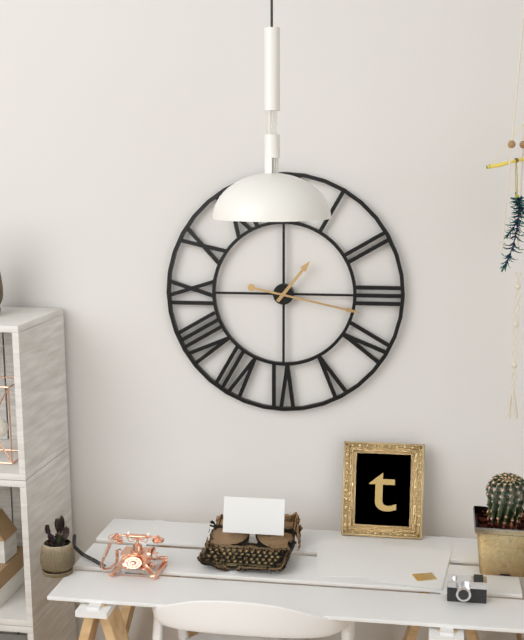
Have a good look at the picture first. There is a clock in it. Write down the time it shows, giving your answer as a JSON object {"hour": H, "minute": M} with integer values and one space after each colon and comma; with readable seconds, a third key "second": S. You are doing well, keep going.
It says {"hour": 1, "minute": 17}
